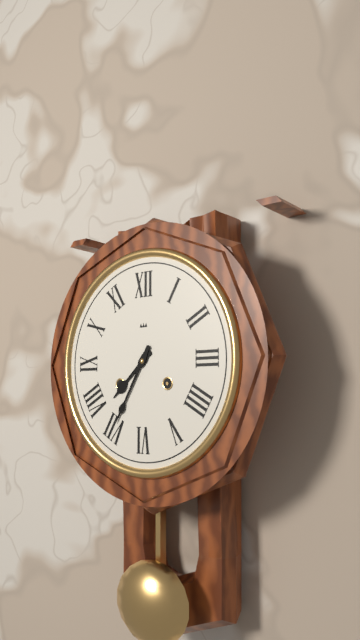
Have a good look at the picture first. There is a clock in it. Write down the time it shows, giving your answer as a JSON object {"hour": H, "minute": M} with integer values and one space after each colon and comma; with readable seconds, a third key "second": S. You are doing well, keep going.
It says {"hour": 7, "minute": 35}
